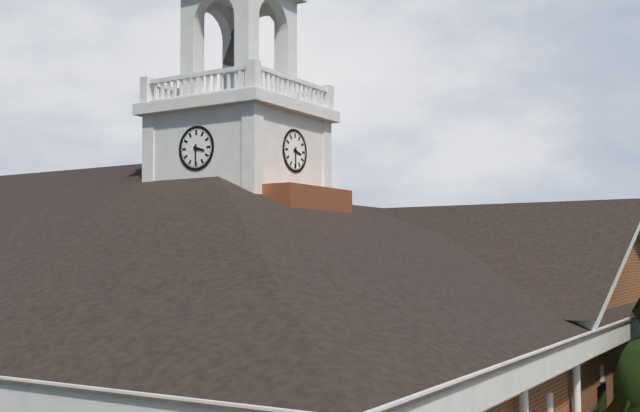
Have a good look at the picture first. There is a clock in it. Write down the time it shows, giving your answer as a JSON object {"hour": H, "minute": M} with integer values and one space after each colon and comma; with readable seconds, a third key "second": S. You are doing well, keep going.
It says {"hour": 3, "minute": 30}
